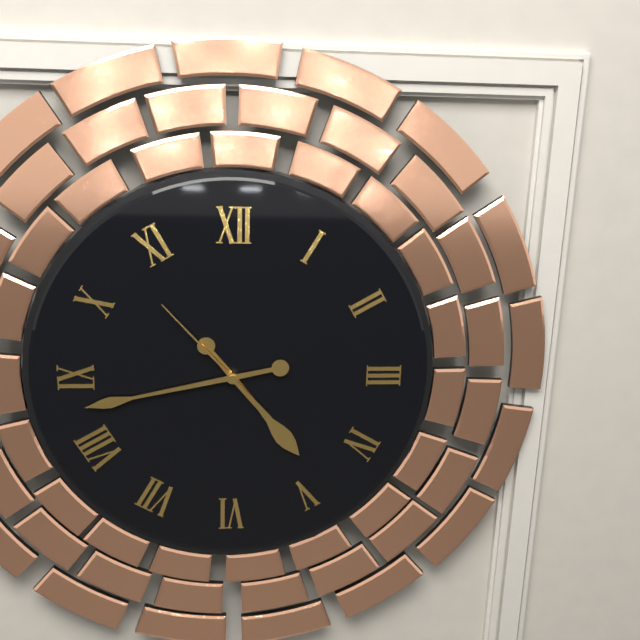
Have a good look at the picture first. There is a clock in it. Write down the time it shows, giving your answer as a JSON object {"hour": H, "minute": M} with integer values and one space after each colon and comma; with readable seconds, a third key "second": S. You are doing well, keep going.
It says {"hour": 4, "minute": 43, "second": 53}
